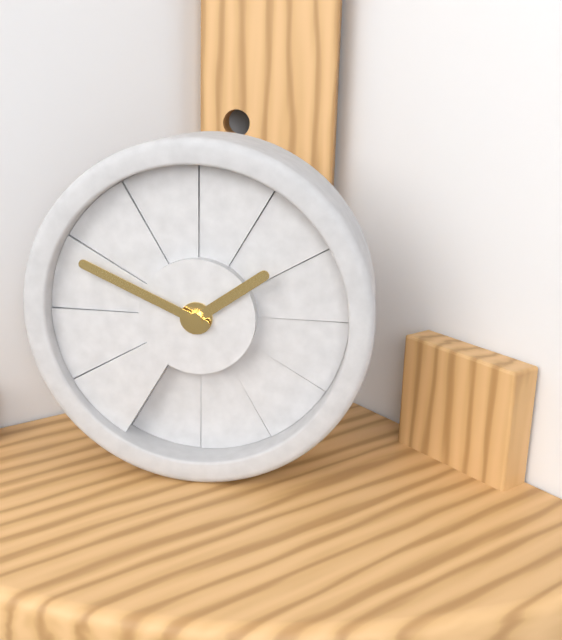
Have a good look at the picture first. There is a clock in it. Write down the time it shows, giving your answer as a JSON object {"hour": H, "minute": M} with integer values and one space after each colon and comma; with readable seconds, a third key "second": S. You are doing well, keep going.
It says {"hour": 1, "minute": 49}
